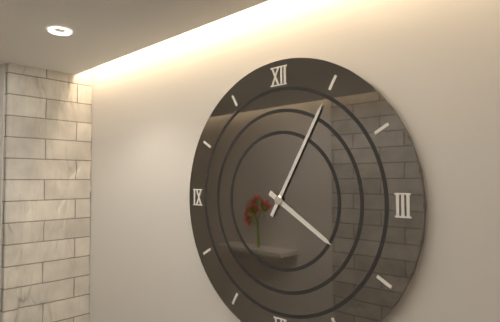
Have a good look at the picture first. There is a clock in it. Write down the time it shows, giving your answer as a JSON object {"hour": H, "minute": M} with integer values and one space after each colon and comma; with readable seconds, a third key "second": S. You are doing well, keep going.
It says {"hour": 4, "minute": 5}
